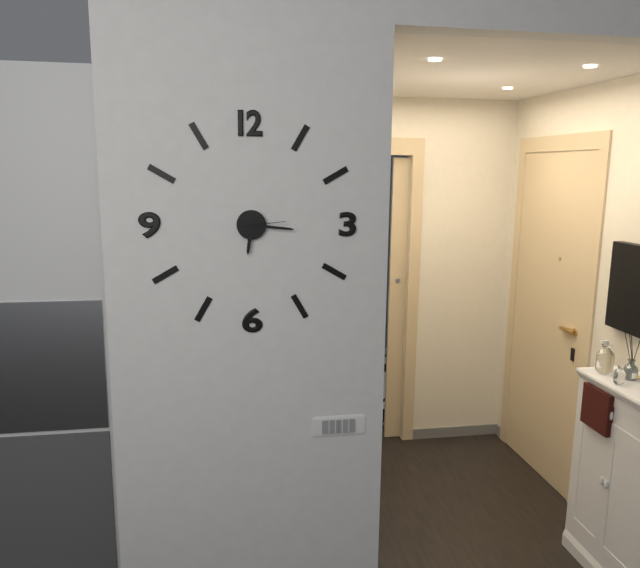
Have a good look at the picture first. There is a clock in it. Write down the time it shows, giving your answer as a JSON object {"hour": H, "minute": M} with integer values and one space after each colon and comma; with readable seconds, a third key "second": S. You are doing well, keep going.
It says {"hour": 6, "minute": 16}
